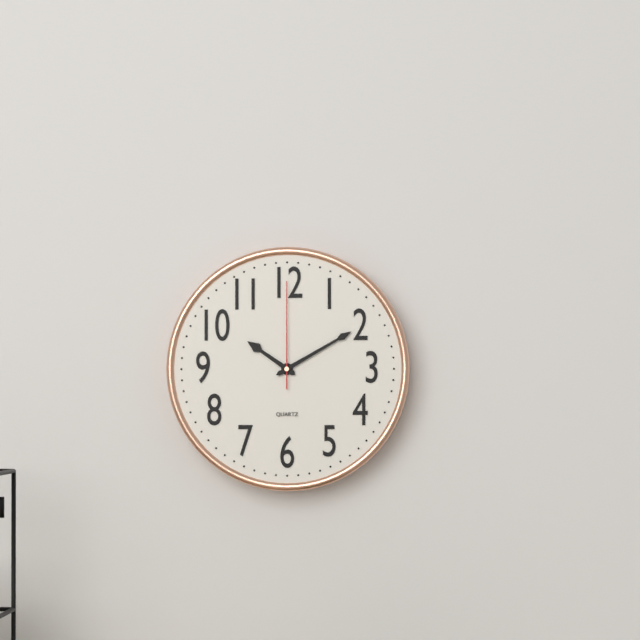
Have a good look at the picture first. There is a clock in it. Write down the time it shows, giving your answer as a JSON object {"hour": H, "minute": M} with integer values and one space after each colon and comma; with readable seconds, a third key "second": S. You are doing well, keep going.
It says {"hour": 10, "minute": 10, "second": 0}
